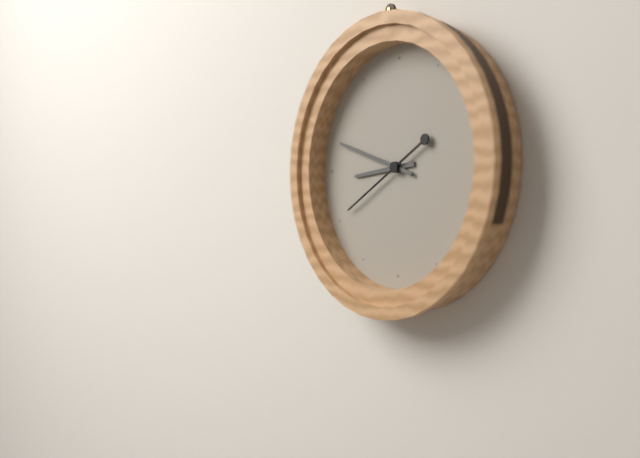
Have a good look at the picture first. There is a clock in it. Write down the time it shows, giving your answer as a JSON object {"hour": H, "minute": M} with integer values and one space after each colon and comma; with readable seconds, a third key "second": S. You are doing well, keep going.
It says {"hour": 8, "minute": 48, "second": 40}
